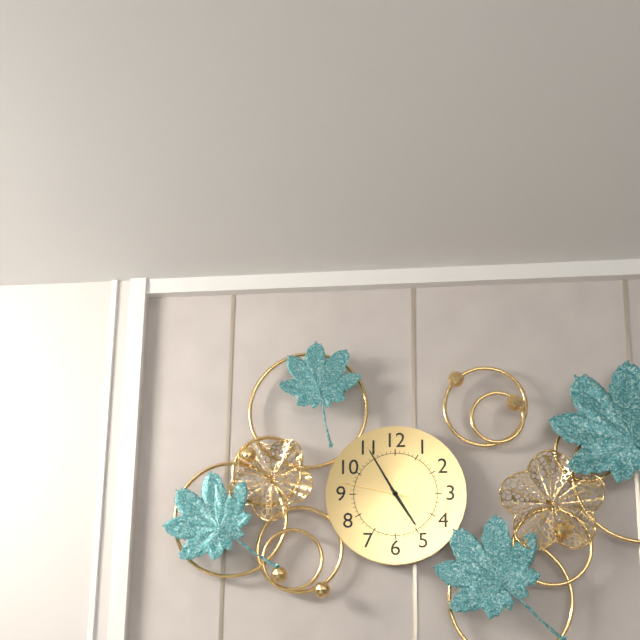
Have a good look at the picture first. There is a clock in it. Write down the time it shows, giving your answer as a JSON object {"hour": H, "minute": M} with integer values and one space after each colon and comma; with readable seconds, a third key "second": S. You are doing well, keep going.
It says {"hour": 4, "minute": 55, "second": 47}
